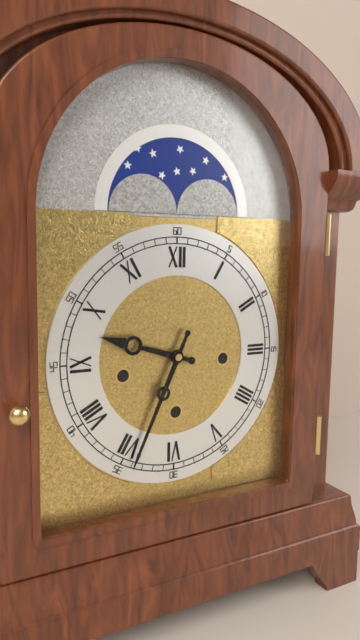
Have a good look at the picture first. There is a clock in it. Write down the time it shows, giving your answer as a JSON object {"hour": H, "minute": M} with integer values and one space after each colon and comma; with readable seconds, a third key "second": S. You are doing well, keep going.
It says {"hour": 9, "minute": 34}
